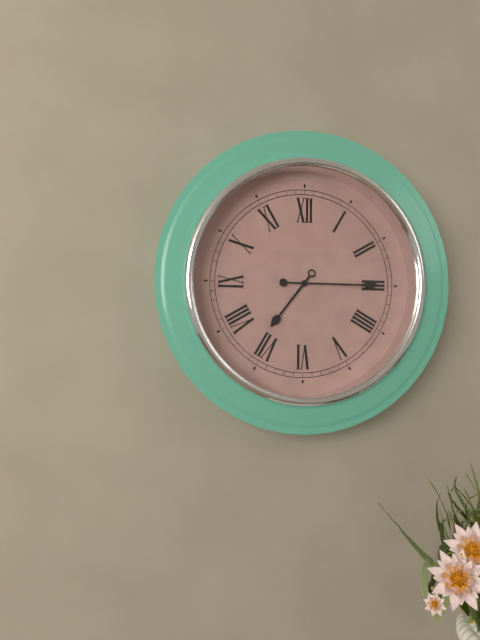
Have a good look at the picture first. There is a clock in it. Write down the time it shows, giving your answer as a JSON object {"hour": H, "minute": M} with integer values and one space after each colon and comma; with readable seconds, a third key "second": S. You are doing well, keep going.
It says {"hour": 7, "minute": 15}
